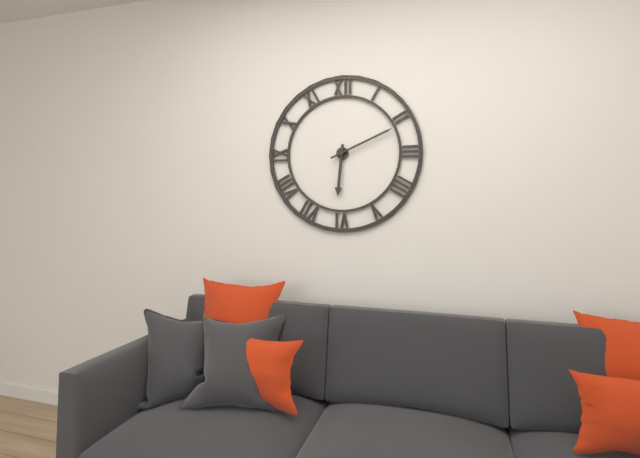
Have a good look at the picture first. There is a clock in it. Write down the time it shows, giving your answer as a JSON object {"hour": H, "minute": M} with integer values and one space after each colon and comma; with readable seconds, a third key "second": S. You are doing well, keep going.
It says {"hour": 6, "minute": 11}
